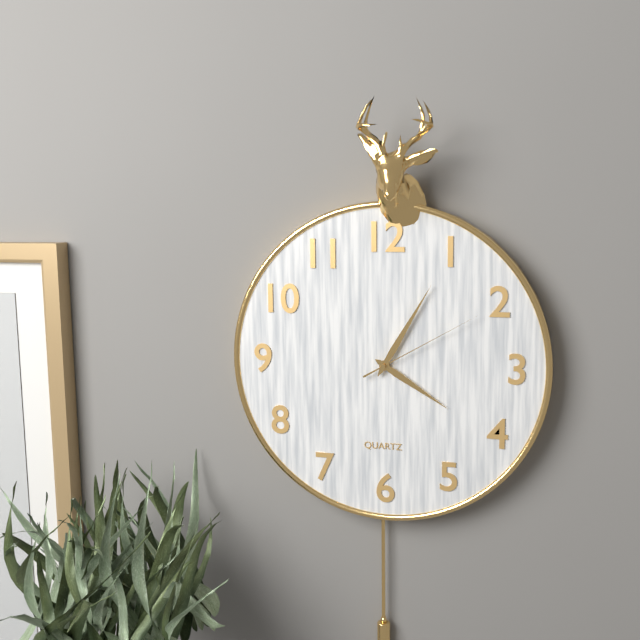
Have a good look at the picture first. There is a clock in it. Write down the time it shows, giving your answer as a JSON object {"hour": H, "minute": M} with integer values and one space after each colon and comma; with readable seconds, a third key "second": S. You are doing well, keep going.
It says {"hour": 4, "minute": 5, "second": 10}
